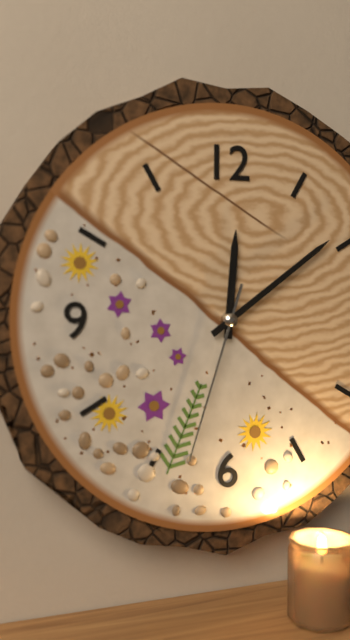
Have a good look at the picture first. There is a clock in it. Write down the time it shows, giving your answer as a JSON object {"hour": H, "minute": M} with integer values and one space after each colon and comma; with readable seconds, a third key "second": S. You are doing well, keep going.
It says {"hour": 12, "minute": 9, "second": 33}
